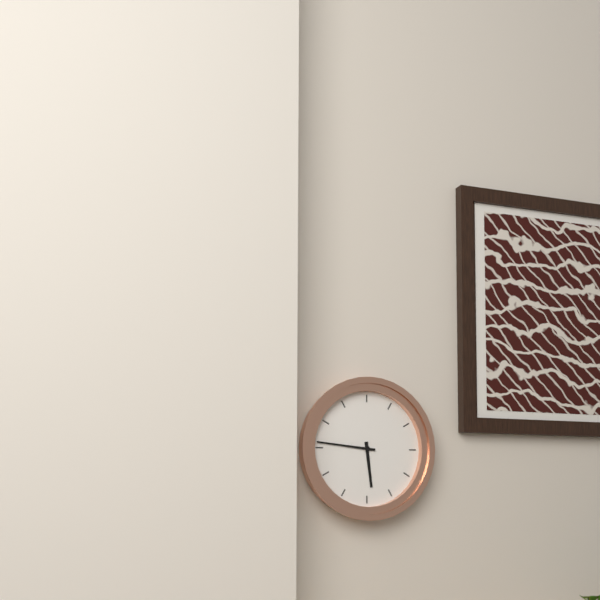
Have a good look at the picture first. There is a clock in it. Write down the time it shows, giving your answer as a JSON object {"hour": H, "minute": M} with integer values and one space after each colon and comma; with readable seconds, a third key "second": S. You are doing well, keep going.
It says {"hour": 5, "minute": 46}
